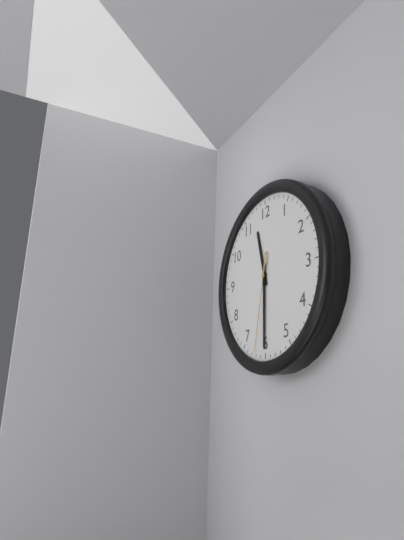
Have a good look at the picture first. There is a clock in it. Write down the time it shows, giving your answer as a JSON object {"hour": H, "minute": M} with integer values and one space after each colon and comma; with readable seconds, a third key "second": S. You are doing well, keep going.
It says {"hour": 11, "minute": 30, "second": 32}
